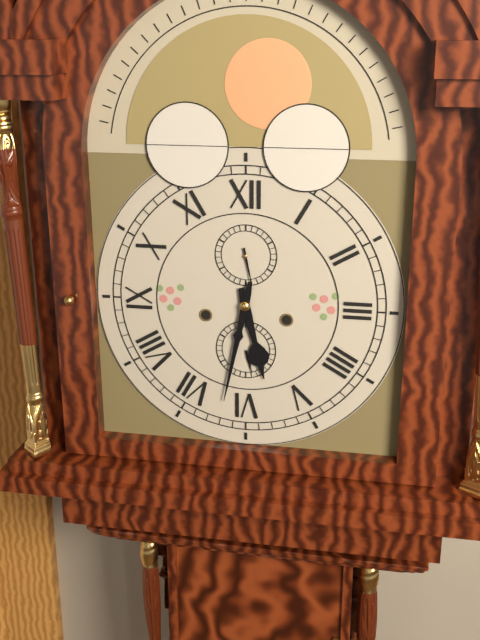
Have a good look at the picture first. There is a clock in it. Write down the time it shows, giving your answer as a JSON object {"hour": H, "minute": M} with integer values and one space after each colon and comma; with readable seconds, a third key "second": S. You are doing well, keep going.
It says {"hour": 5, "minute": 32}
